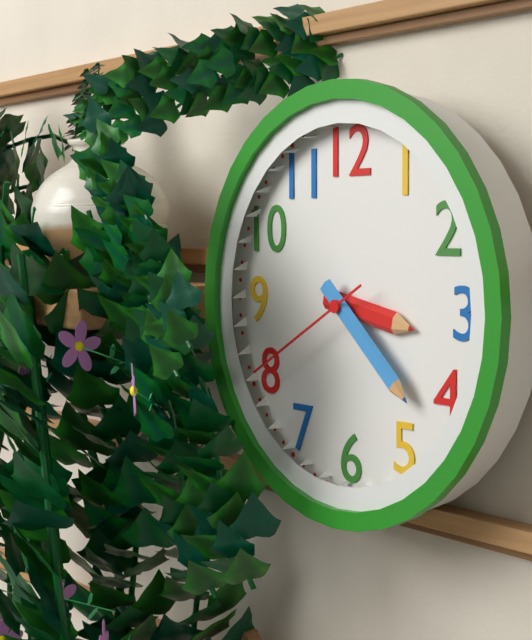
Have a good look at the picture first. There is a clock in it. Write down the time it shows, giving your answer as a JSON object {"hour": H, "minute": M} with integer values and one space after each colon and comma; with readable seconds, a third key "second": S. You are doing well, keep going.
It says {"hour": 3, "minute": 22, "second": 40}
